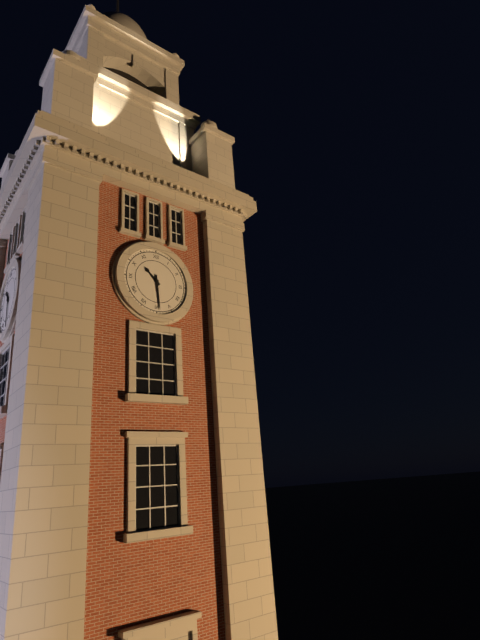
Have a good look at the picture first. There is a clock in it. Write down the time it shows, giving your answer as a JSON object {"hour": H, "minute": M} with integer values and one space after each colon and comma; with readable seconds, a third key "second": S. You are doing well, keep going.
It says {"hour": 10, "minute": 29}
